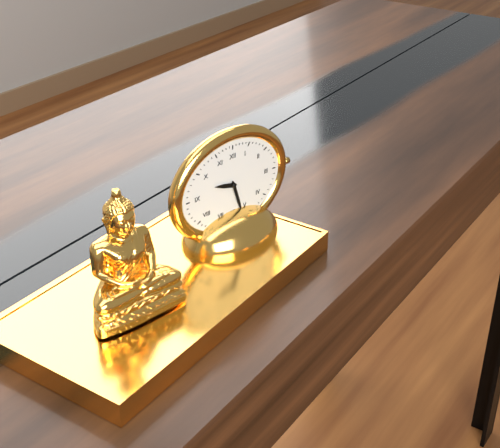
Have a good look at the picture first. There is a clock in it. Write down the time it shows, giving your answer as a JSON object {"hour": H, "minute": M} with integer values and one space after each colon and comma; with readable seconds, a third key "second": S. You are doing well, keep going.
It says {"hour": 9, "minute": 27}
